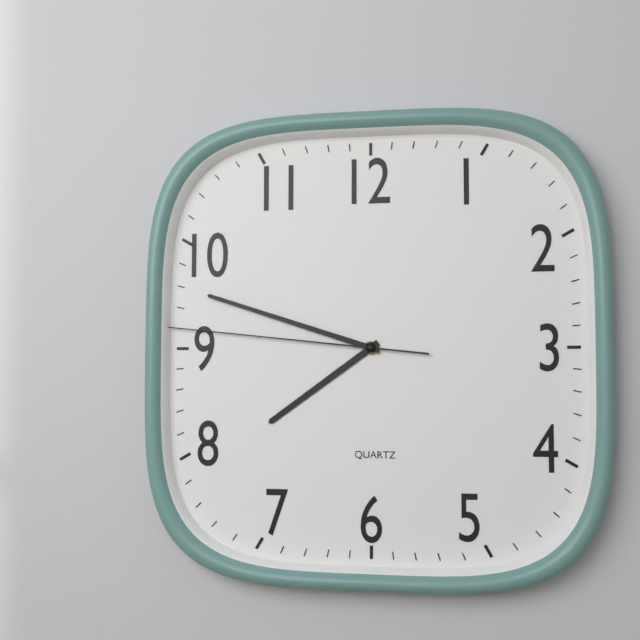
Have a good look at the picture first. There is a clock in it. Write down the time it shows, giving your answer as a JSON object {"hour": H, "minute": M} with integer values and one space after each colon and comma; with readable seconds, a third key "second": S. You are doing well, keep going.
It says {"hour": 7, "minute": 48, "second": 46}
